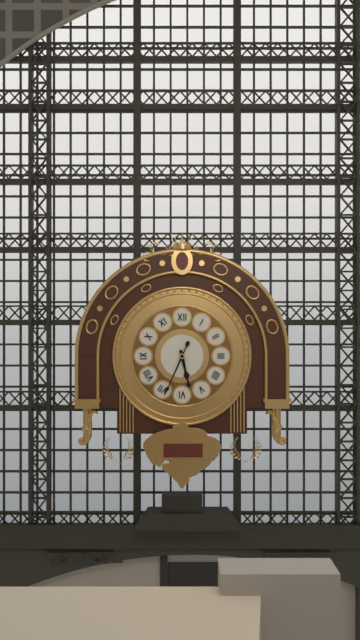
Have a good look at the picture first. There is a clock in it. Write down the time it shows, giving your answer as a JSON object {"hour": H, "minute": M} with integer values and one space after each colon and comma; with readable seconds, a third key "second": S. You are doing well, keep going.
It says {"hour": 5, "minute": 34}
